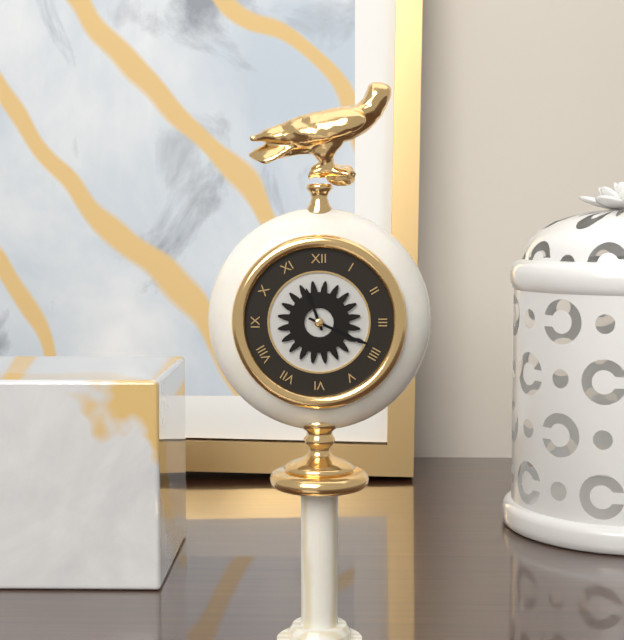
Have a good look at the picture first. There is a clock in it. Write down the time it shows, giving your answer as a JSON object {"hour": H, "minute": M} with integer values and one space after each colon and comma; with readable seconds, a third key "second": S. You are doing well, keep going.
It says {"hour": 11, "minute": 19}
